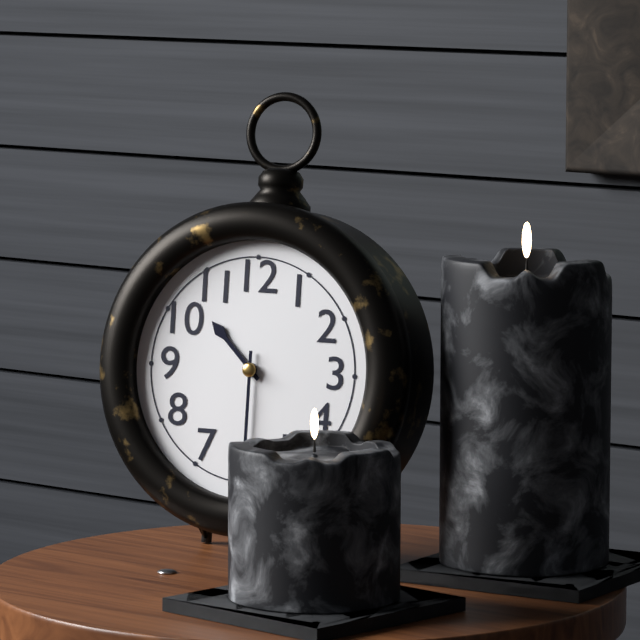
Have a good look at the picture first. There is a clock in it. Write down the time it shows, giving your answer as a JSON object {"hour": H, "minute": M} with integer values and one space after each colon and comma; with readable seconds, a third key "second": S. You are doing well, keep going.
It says {"hour": 10, "minute": 30}
